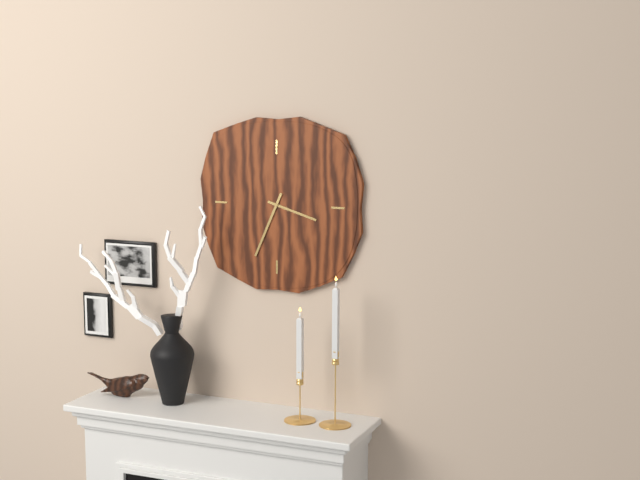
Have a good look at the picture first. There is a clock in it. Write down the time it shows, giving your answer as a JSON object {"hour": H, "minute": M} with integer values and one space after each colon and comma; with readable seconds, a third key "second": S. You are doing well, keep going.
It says {"hour": 3, "minute": 34}
